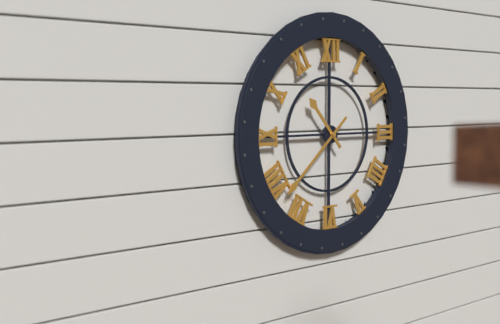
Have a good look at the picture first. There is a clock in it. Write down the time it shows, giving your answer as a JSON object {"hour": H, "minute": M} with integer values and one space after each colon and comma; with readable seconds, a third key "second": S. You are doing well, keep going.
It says {"hour": 10, "minute": 38}
